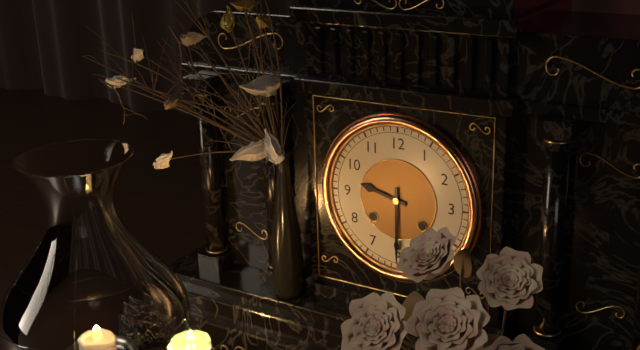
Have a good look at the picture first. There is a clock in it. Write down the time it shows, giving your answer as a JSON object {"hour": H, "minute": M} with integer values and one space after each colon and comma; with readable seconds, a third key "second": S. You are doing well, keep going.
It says {"hour": 9, "minute": 30}
